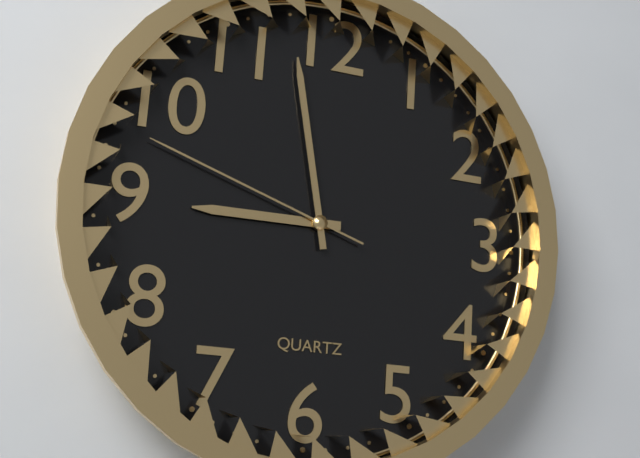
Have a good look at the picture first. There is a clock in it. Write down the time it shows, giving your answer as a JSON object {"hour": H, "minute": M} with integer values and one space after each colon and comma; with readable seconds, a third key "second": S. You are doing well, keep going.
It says {"hour": 8, "minute": 58, "second": 48}
